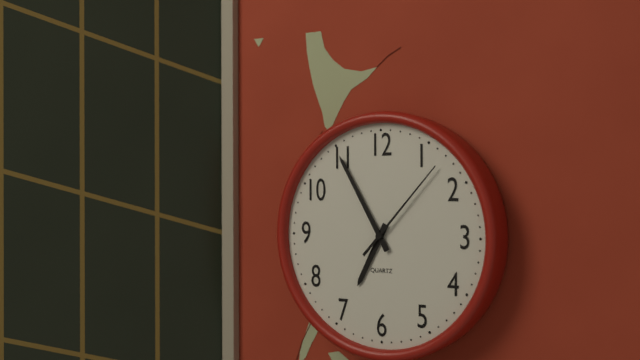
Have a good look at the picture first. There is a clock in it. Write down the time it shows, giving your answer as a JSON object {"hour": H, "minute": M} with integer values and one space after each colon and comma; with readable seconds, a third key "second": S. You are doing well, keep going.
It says {"hour": 6, "minute": 55, "second": 7}
